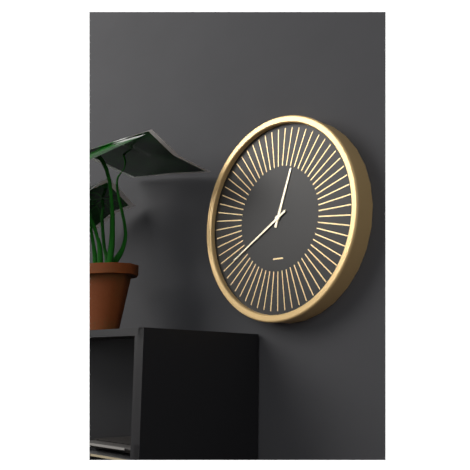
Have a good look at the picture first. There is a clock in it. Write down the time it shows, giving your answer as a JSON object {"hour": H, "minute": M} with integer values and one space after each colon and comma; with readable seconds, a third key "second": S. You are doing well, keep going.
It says {"hour": 12, "minute": 40}
